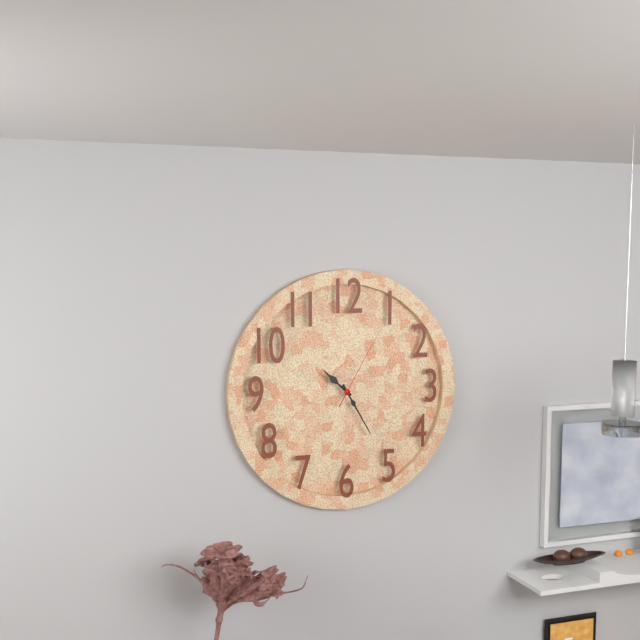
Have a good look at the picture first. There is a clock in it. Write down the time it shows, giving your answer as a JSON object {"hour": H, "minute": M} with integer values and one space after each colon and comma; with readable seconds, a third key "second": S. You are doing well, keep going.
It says {"hour": 10, "minute": 25, "second": 5}
